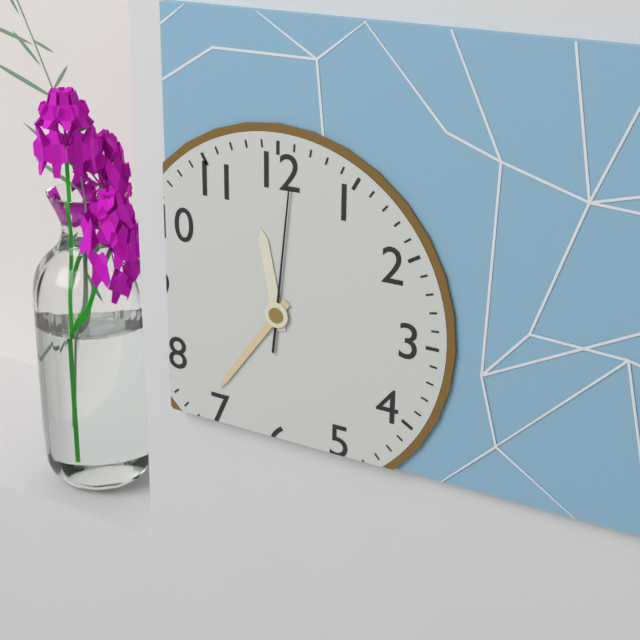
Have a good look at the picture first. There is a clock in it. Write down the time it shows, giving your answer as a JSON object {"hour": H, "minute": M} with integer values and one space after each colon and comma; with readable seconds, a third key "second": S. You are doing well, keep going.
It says {"hour": 11, "minute": 36, "second": 1}
